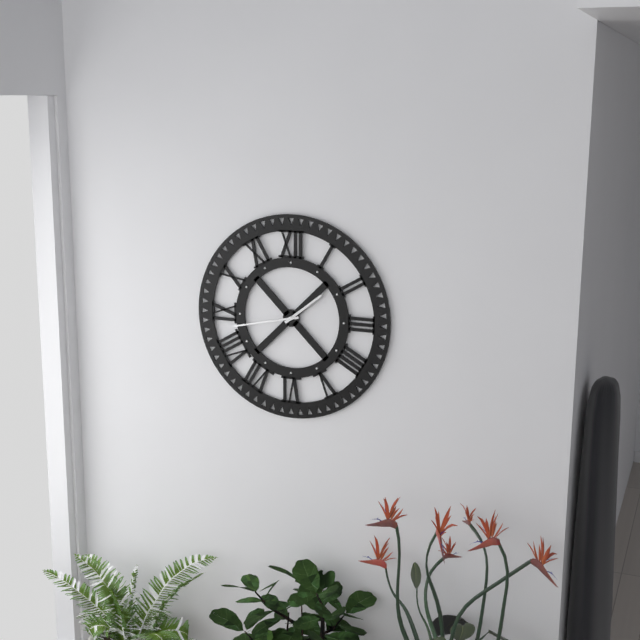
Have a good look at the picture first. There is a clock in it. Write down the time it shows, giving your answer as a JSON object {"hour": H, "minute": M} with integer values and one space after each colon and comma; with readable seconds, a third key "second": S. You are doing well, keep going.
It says {"hour": 1, "minute": 43}
